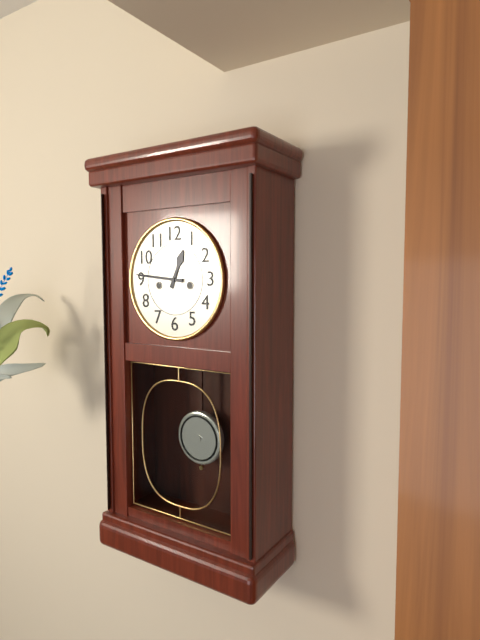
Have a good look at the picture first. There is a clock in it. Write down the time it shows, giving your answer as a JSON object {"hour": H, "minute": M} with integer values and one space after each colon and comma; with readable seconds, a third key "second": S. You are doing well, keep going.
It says {"hour": 12, "minute": 46}
